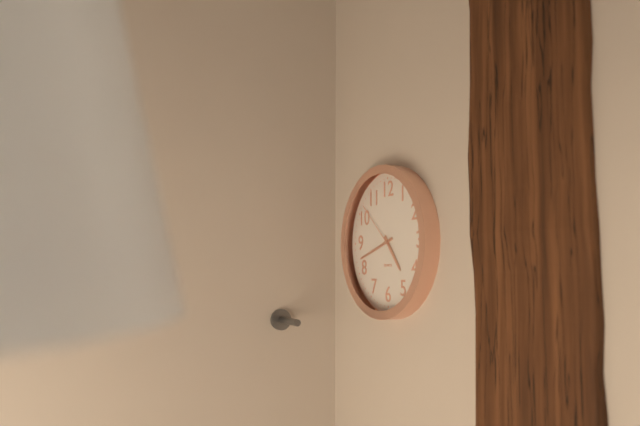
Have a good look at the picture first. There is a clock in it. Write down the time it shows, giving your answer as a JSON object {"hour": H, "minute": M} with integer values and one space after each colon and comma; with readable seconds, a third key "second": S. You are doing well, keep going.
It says {"hour": 4, "minute": 42, "second": 52}
